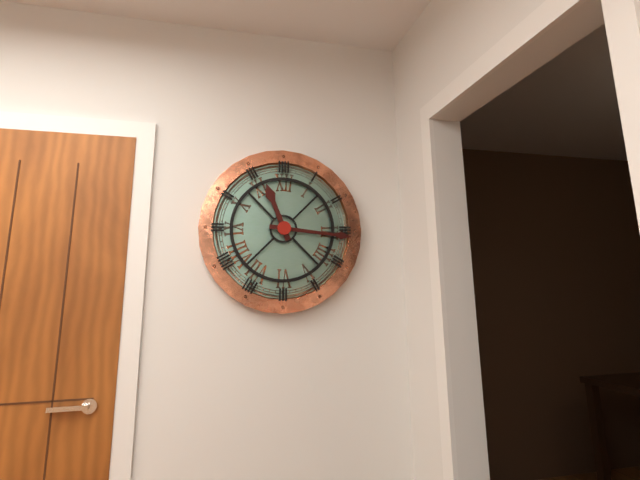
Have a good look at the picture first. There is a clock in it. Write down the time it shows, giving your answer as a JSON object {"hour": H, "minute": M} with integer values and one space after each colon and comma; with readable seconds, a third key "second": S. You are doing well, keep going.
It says {"hour": 11, "minute": 16}
